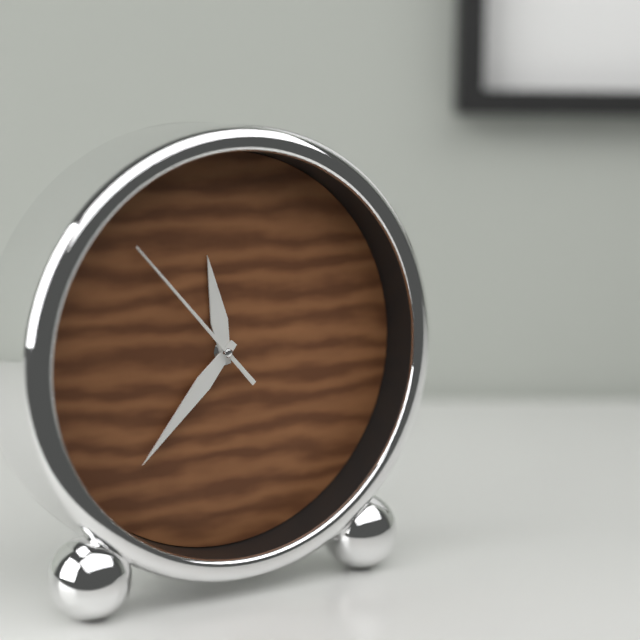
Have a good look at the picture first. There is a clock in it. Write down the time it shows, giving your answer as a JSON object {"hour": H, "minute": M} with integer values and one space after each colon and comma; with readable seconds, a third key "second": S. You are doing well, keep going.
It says {"hour": 11, "minute": 37, "second": 53}
